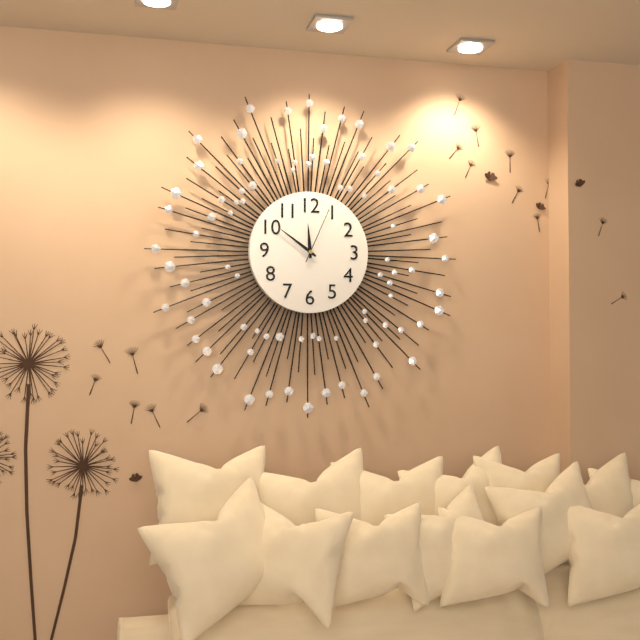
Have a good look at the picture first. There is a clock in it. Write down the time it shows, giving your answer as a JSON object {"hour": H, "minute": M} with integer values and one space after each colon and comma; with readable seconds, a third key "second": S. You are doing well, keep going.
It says {"hour": 11, "minute": 51, "second": 4}
